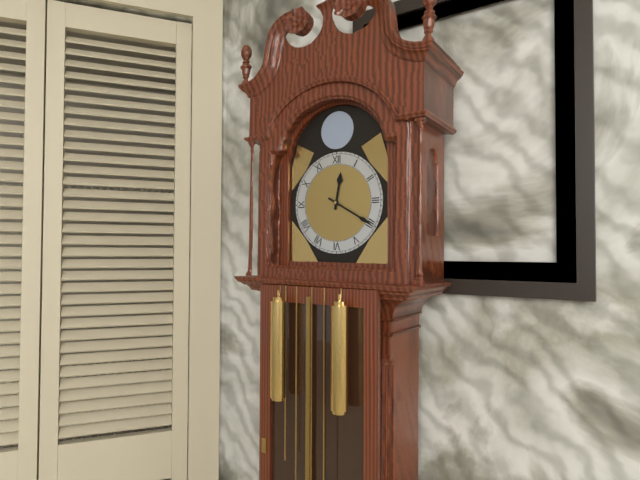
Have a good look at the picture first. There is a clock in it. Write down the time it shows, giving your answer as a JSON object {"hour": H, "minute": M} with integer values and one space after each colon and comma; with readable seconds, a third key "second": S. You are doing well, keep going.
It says {"hour": 12, "minute": 20}
